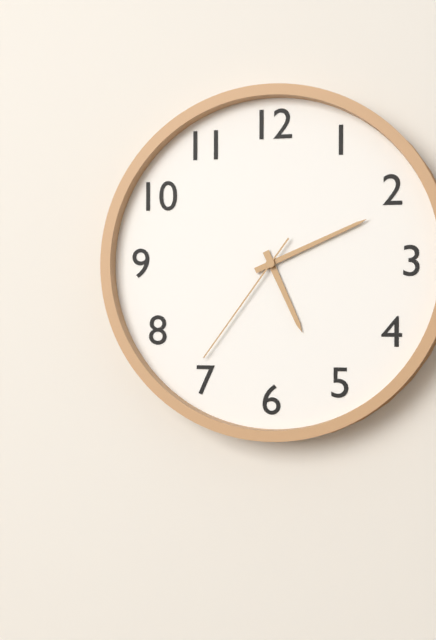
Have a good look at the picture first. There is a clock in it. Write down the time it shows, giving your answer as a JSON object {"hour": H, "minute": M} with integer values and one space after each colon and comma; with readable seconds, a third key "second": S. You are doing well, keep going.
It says {"hour": 5, "minute": 11, "second": 36}
